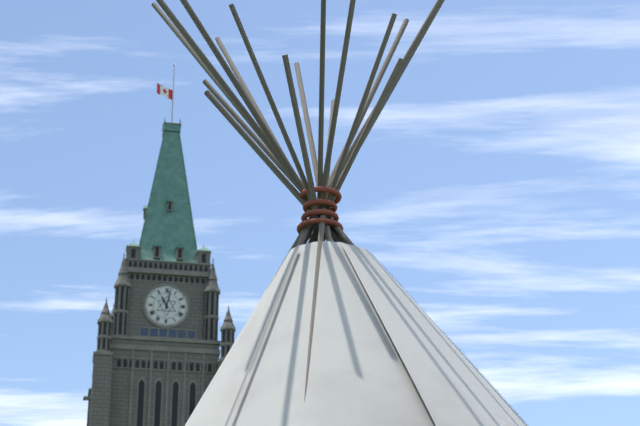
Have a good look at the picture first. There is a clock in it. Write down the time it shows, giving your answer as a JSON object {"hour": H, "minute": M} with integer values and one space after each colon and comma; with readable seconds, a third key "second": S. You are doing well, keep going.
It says {"hour": 11, "minute": 2}
